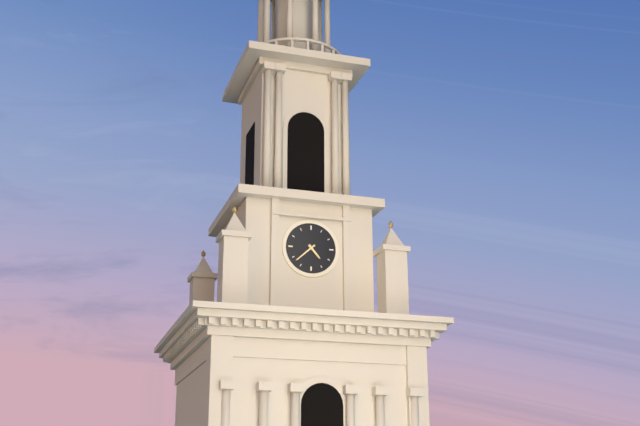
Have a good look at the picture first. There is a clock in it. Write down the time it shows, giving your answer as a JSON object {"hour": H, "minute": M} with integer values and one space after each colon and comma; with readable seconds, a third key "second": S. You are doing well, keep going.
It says {"hour": 4, "minute": 38}
